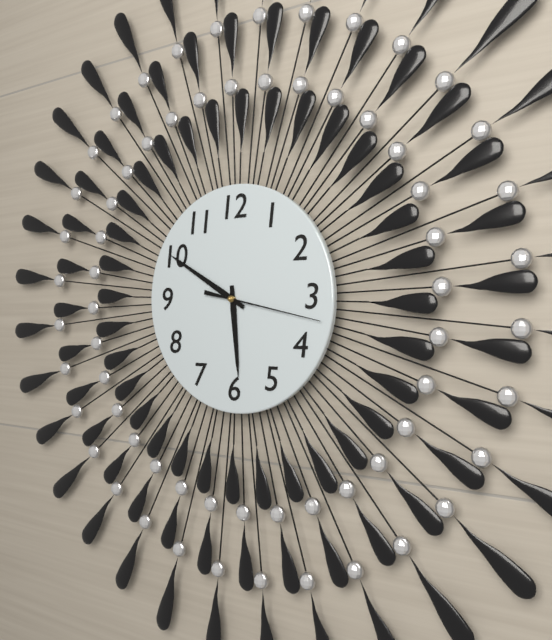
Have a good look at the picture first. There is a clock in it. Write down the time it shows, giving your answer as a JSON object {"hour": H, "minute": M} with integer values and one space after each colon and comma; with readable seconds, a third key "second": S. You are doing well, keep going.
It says {"hour": 5, "minute": 50, "second": 17}
